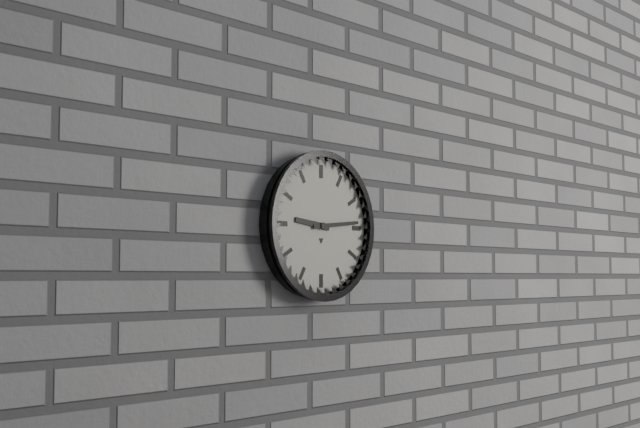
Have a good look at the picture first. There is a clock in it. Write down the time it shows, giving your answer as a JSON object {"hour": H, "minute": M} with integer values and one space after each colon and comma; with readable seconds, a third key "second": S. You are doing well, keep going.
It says {"hour": 9, "minute": 14}
